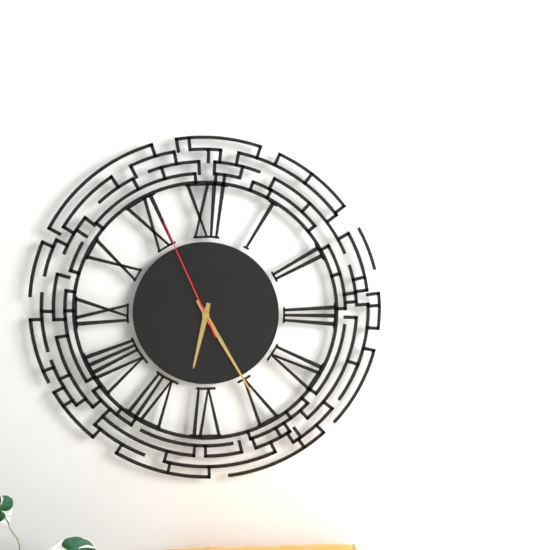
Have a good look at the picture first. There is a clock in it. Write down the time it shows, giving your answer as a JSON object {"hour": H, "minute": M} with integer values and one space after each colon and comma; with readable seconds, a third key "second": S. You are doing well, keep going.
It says {"hour": 6, "minute": 25, "second": 56}
